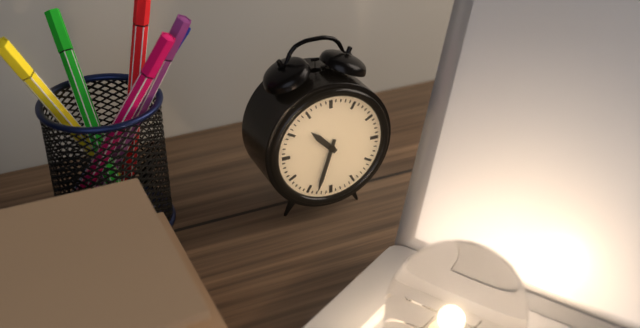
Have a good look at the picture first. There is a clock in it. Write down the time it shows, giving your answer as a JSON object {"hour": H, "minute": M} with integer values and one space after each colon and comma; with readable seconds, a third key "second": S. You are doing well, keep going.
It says {"hour": 10, "minute": 33}
